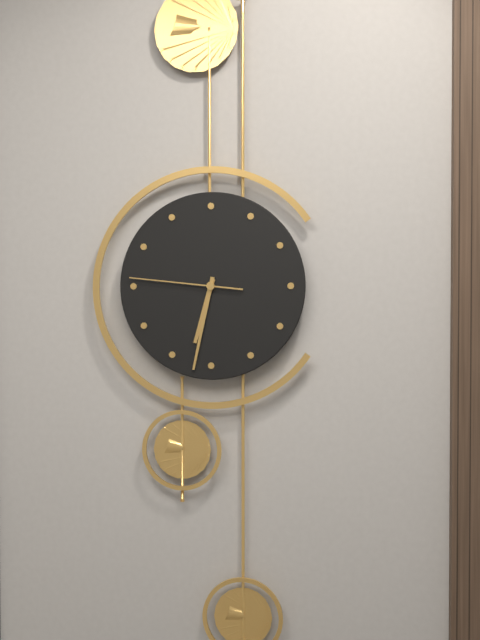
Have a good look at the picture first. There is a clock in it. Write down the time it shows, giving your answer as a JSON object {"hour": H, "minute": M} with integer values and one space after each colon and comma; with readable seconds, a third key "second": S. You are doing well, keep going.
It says {"hour": 6, "minute": 32, "second": 46}
